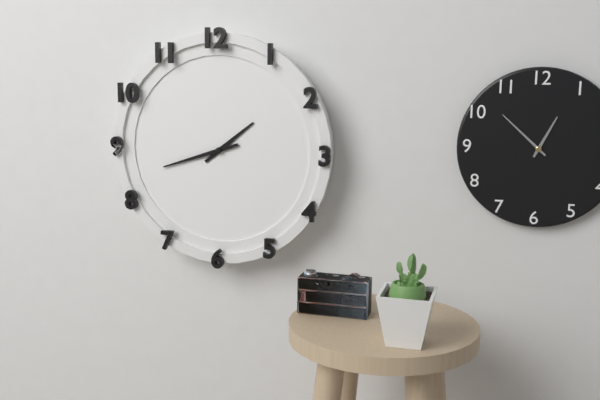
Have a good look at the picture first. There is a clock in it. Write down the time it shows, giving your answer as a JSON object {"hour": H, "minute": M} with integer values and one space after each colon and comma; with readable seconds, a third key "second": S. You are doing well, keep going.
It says {"hour": 1, "minute": 42}
